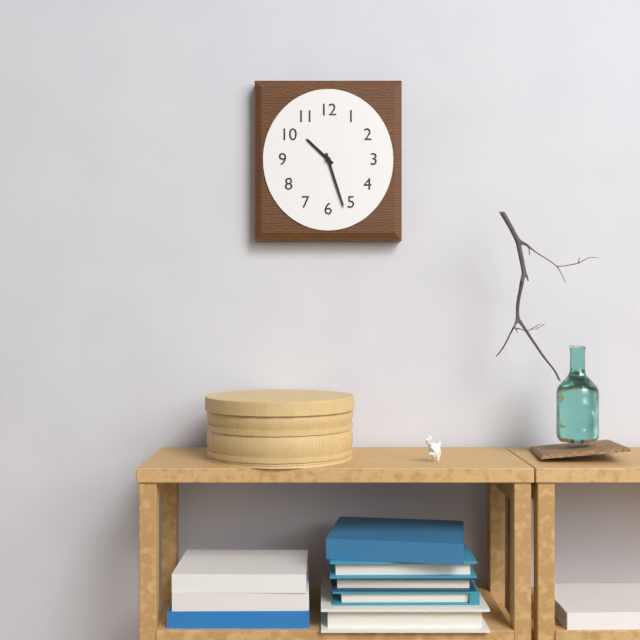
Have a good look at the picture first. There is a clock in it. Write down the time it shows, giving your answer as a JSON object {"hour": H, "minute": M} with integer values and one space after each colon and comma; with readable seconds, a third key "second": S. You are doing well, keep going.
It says {"hour": 10, "minute": 27}
